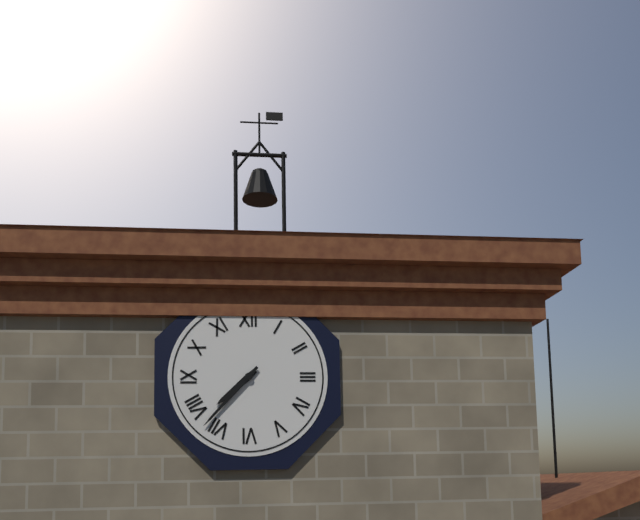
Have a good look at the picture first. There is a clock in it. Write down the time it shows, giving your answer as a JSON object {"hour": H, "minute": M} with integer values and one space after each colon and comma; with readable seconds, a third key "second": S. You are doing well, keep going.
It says {"hour": 7, "minute": 37}
